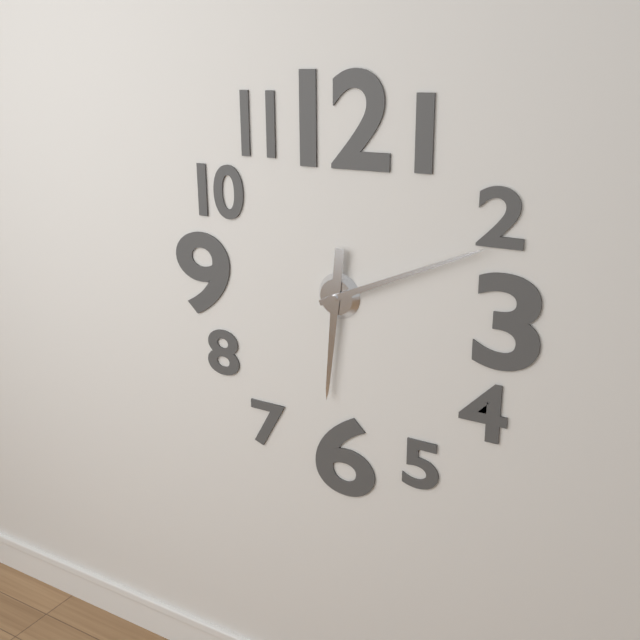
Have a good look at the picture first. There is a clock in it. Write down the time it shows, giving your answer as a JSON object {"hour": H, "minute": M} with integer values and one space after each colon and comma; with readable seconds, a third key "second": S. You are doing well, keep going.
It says {"hour": 6, "minute": 11}
